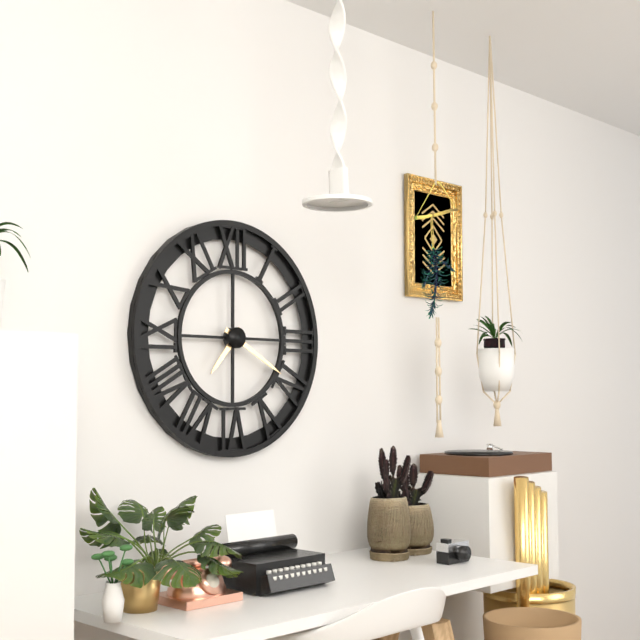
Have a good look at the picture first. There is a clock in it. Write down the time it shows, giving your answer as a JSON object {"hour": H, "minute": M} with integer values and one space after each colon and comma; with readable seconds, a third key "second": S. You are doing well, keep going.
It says {"hour": 7, "minute": 20}
